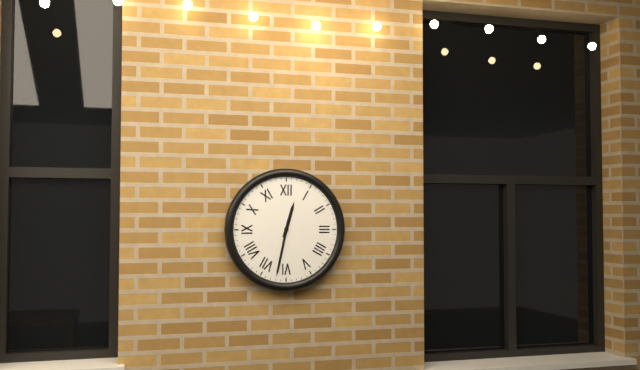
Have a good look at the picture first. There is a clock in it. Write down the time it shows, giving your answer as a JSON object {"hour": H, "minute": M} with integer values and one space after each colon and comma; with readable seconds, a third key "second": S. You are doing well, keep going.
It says {"hour": 12, "minute": 32}
